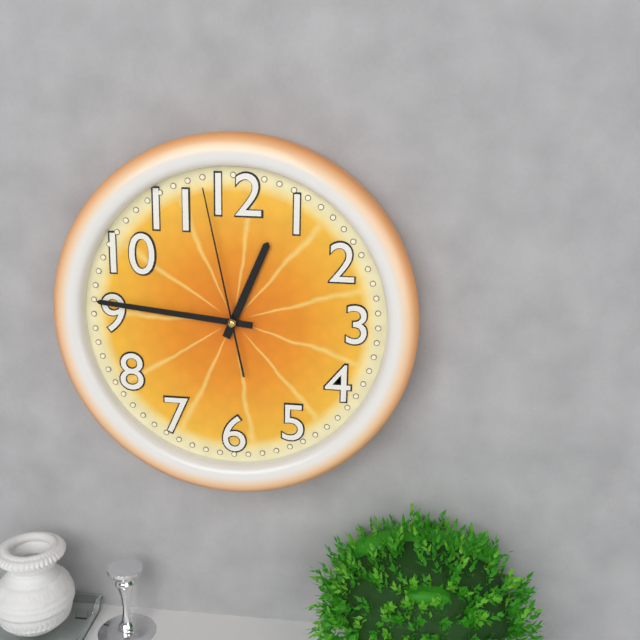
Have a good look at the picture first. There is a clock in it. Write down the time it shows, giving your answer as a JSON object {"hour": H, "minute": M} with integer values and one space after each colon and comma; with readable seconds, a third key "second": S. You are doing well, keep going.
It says {"hour": 12, "minute": 46, "second": 58}
